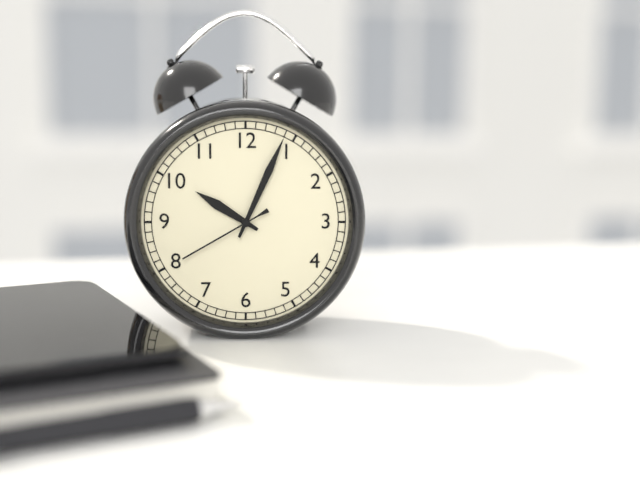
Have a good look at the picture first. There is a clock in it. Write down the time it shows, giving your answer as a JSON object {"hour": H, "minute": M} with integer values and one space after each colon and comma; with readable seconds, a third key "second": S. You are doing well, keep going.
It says {"hour": 10, "minute": 4, "second": 40}
